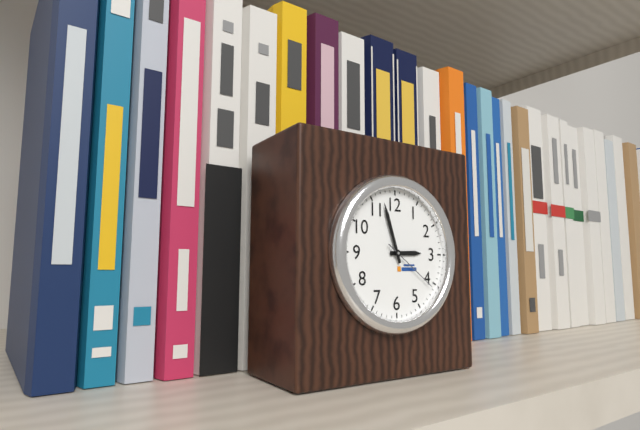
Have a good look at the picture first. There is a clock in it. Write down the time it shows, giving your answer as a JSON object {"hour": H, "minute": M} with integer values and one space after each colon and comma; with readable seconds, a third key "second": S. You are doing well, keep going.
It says {"hour": 2, "minute": 57, "second": 21}
